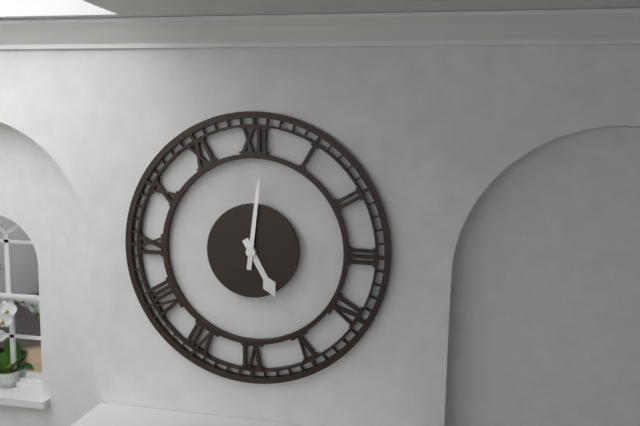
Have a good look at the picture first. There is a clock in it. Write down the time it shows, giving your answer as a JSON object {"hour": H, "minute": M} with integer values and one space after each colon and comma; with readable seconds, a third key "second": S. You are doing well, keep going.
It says {"hour": 5, "minute": 1}
